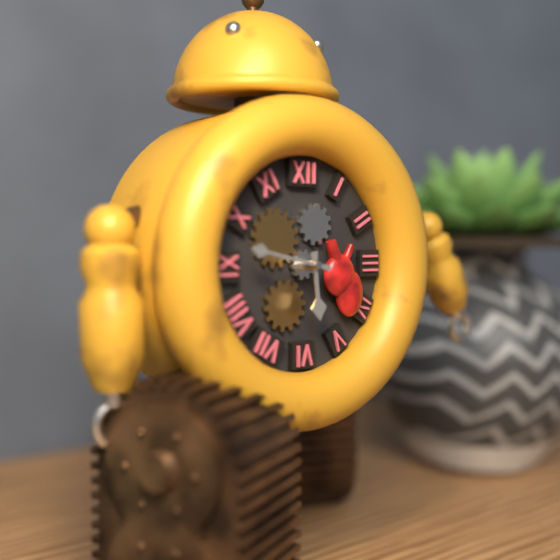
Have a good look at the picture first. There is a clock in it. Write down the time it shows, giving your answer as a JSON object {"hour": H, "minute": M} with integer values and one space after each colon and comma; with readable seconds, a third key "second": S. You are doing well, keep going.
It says {"hour": 5, "minute": 47}
